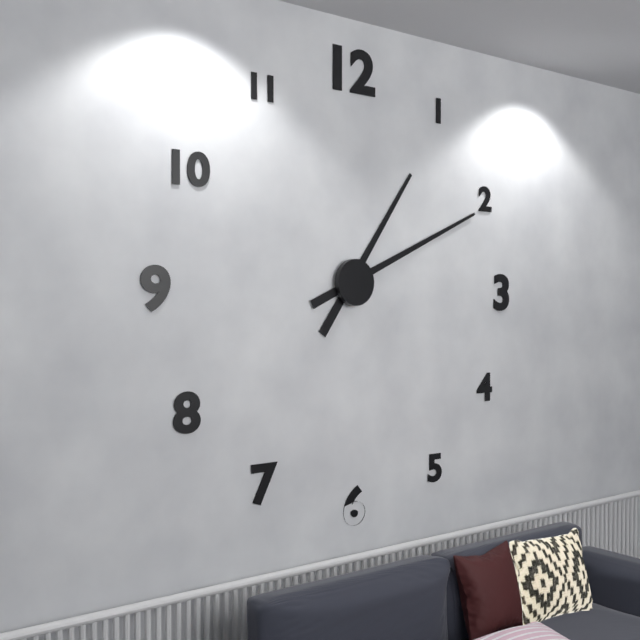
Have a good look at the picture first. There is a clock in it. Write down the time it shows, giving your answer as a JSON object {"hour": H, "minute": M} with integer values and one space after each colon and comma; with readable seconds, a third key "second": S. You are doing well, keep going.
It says {"hour": 1, "minute": 11}
